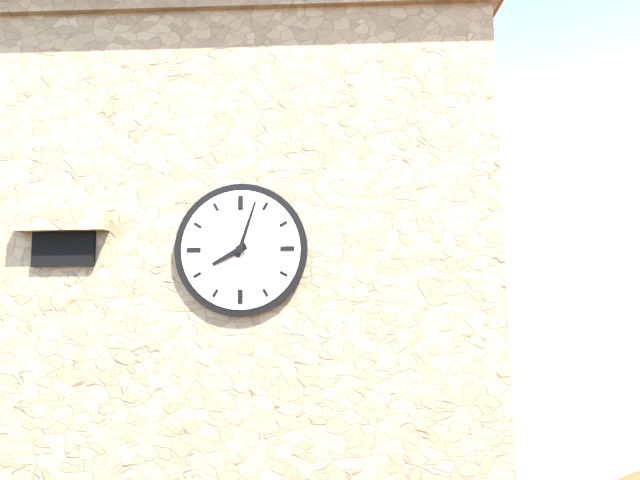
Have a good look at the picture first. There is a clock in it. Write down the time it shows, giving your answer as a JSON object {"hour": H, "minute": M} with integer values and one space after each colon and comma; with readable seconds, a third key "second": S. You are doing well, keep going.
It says {"hour": 8, "minute": 3}
